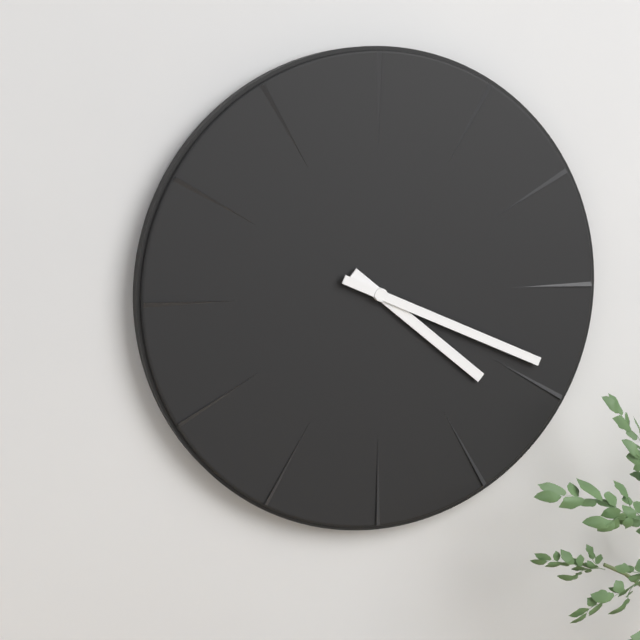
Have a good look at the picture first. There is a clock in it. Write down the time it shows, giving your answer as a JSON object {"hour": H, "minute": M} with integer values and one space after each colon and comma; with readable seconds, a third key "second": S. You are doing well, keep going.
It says {"hour": 4, "minute": 19}
